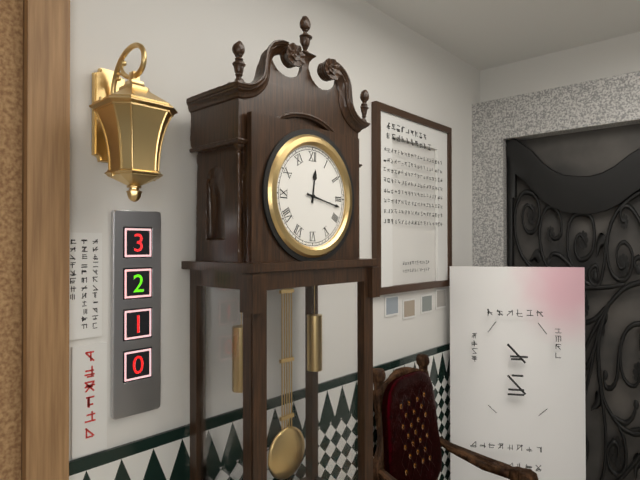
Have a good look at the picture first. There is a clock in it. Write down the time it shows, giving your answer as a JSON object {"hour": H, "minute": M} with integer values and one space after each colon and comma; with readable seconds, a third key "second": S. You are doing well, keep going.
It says {"hour": 12, "minute": 17}
